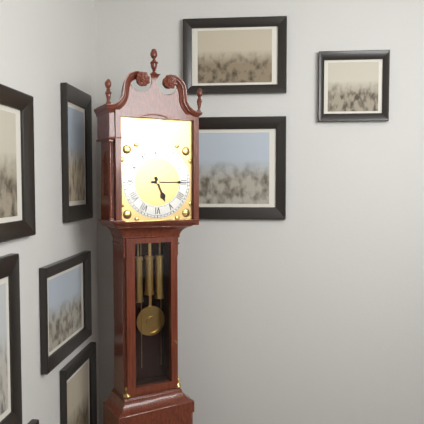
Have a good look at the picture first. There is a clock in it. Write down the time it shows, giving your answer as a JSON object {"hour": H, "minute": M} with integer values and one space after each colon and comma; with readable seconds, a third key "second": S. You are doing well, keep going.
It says {"hour": 5, "minute": 15}
